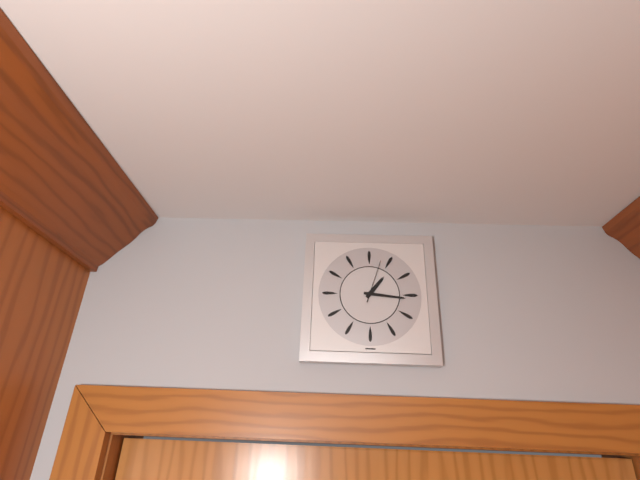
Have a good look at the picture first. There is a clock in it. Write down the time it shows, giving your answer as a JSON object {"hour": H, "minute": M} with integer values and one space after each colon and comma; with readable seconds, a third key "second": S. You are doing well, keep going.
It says {"hour": 1, "minute": 16}
